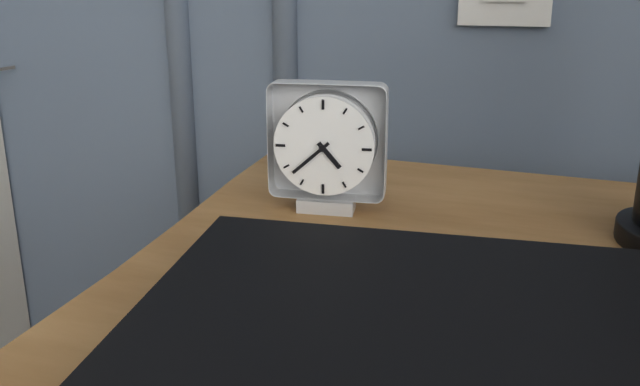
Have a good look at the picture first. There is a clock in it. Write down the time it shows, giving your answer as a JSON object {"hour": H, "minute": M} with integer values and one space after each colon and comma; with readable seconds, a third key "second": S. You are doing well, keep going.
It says {"hour": 4, "minute": 38}
